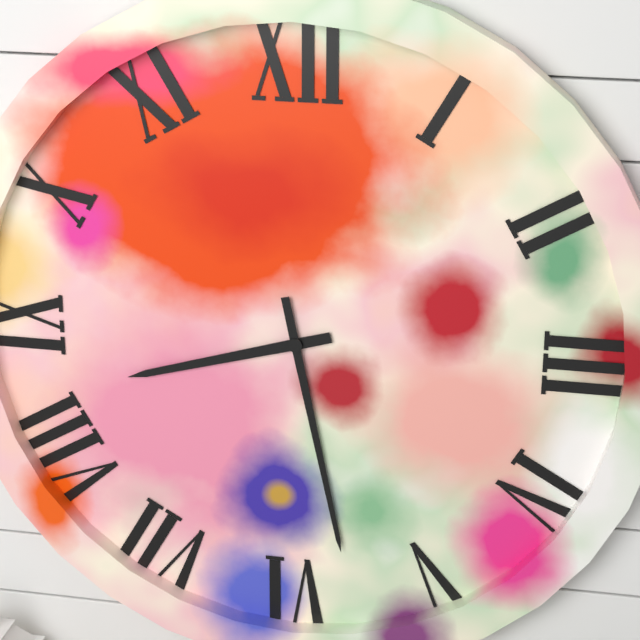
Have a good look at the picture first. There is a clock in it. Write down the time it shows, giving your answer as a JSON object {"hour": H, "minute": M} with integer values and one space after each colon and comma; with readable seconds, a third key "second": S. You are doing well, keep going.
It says {"hour": 8, "minute": 28}
